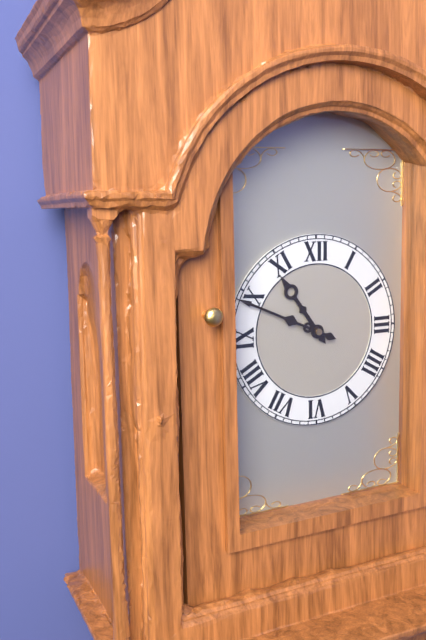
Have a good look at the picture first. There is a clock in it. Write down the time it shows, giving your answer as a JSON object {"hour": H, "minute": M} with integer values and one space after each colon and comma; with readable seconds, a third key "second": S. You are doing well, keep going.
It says {"hour": 10, "minute": 49}
